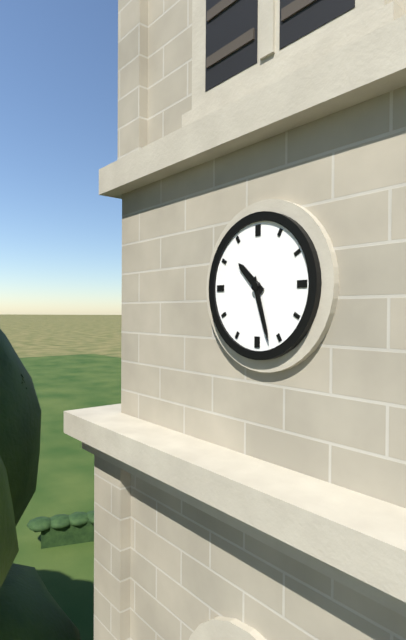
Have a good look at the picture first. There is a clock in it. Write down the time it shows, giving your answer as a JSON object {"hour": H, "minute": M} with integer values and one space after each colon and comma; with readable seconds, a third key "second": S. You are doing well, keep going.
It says {"hour": 10, "minute": 27}
